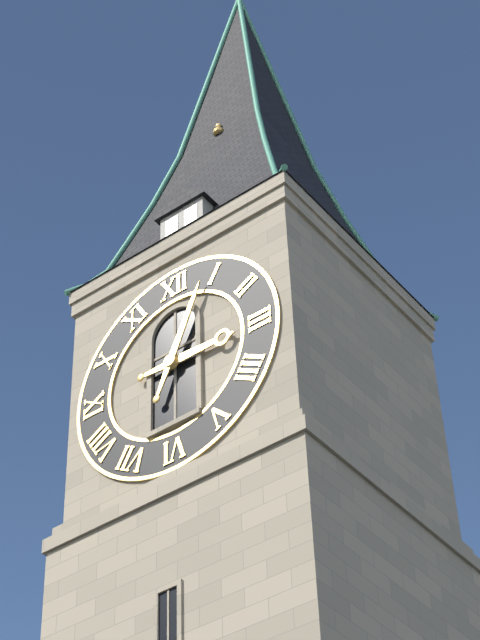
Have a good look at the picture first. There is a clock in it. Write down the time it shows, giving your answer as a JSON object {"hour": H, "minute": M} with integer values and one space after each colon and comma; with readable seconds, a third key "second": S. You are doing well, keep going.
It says {"hour": 3, "minute": 4}
